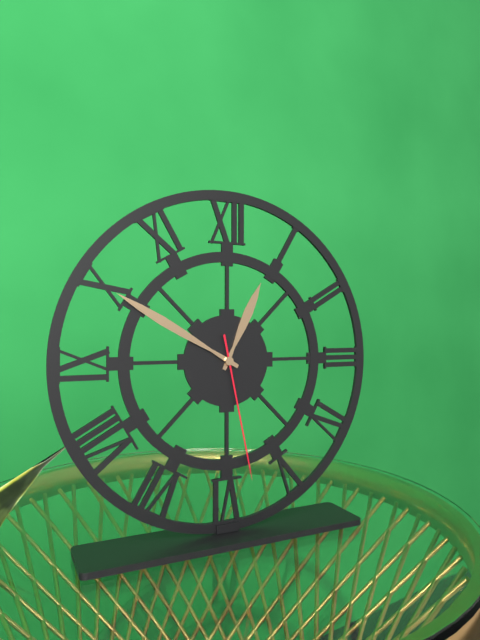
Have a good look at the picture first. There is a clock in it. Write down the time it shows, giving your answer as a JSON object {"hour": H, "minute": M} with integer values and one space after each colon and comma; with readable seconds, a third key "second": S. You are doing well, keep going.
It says {"hour": 12, "minute": 50, "second": 28}
